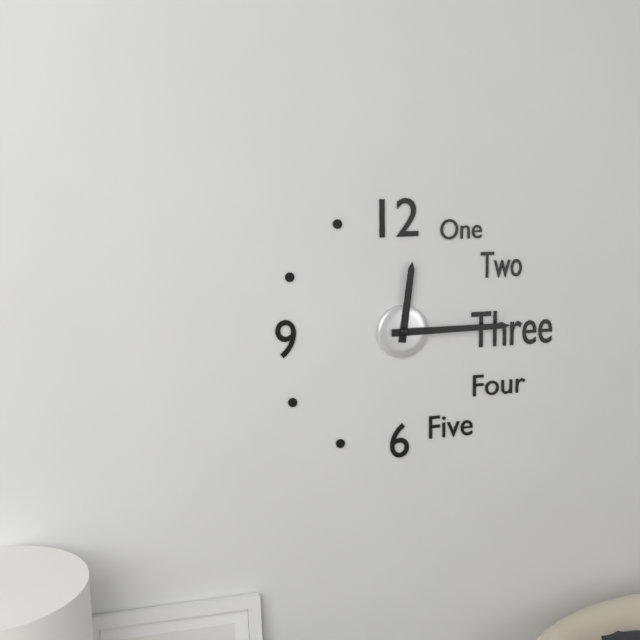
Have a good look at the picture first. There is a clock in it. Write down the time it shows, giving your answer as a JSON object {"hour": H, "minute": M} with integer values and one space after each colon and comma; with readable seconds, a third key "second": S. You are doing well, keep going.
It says {"hour": 12, "minute": 15}
